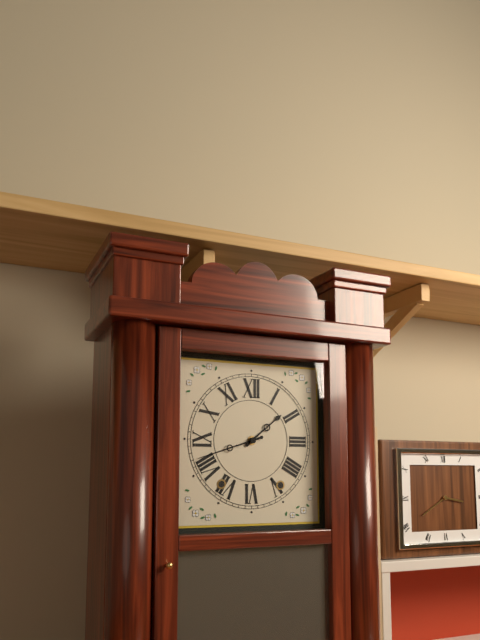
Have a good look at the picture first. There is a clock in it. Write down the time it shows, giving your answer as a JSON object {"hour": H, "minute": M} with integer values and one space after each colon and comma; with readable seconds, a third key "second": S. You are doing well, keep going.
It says {"hour": 1, "minute": 42}
